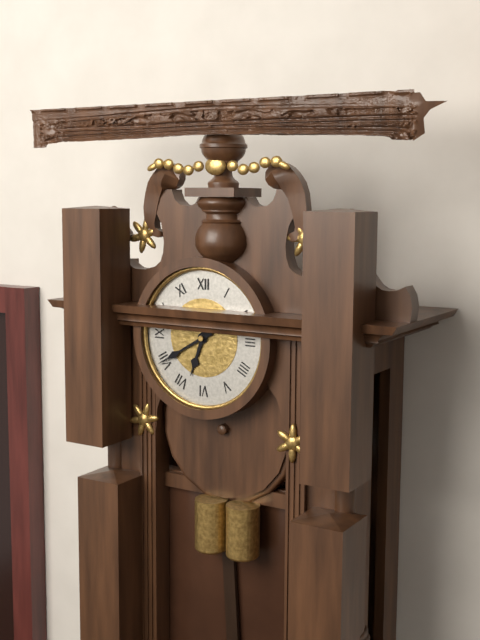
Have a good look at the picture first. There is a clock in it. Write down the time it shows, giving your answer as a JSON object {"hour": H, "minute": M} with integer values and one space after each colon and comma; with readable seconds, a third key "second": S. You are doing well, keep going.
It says {"hour": 6, "minute": 40}
